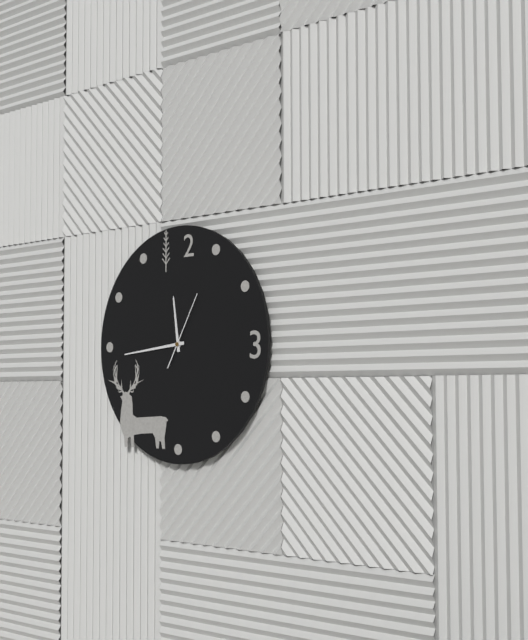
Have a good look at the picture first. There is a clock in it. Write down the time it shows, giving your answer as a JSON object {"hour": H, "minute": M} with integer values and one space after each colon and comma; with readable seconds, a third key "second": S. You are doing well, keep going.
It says {"hour": 11, "minute": 44, "second": 5}
